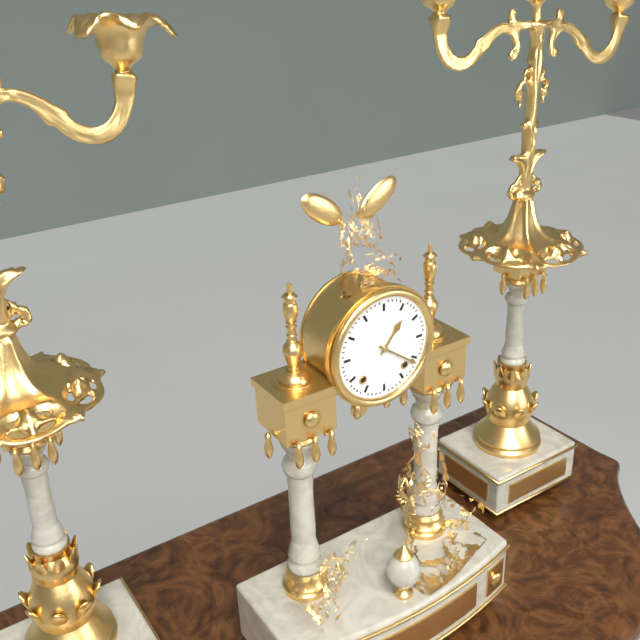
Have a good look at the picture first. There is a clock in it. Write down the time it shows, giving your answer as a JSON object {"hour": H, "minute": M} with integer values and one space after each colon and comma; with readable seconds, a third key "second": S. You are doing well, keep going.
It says {"hour": 1, "minute": 21}
